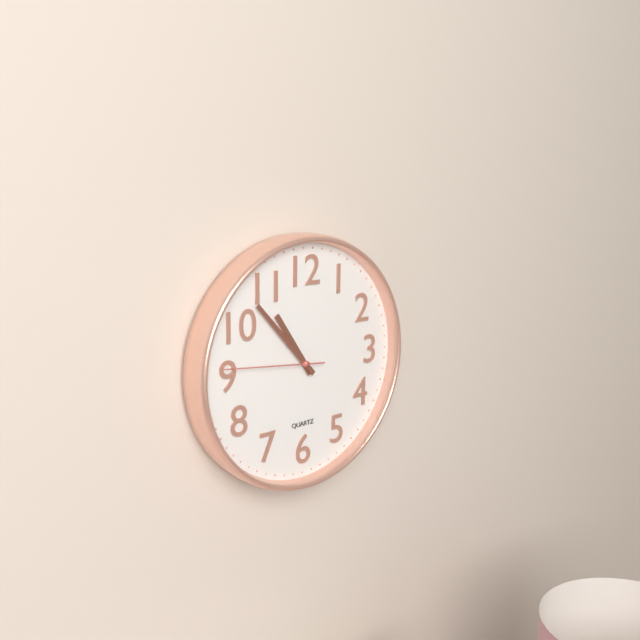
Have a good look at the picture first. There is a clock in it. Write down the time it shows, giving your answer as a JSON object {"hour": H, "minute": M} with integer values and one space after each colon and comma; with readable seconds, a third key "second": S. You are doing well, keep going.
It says {"hour": 10, "minute": 53, "second": 46}
